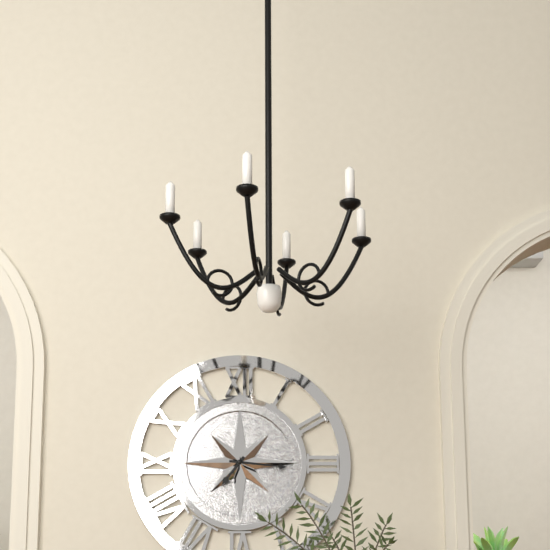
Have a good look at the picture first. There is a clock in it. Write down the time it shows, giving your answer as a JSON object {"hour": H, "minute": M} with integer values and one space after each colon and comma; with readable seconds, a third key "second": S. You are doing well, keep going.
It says {"hour": 7, "minute": 16}
